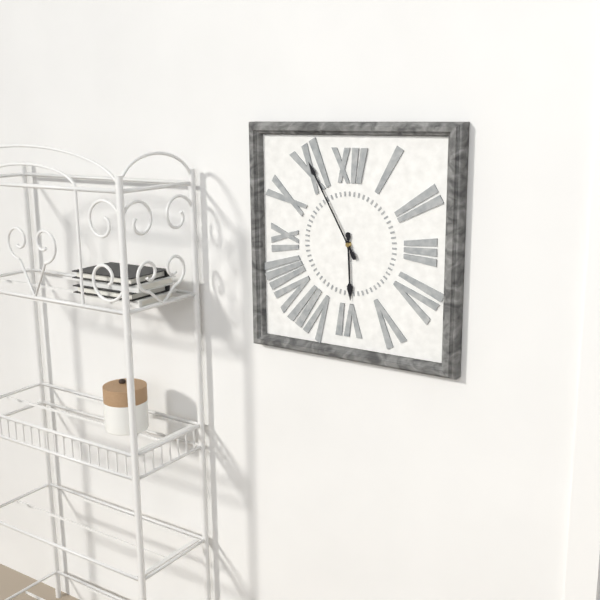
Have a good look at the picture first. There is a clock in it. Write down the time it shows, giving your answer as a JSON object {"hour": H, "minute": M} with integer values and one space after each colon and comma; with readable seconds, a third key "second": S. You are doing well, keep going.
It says {"hour": 5, "minute": 55}
